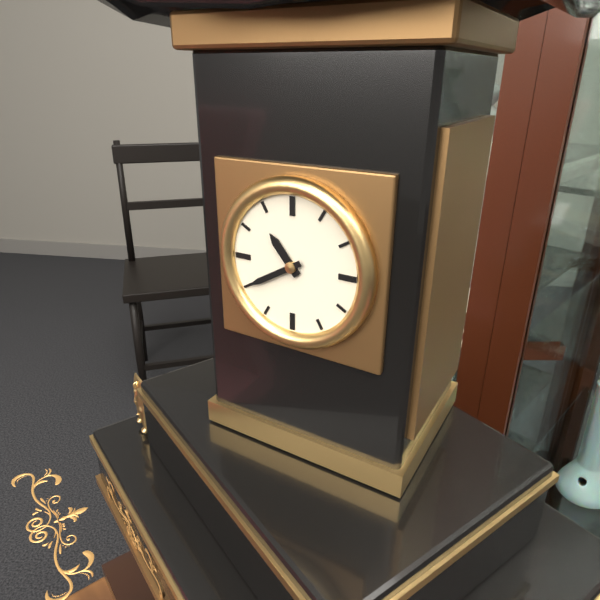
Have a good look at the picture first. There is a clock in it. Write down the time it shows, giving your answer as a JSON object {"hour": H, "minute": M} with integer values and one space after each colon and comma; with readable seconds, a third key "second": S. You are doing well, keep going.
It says {"hour": 10, "minute": 40}
